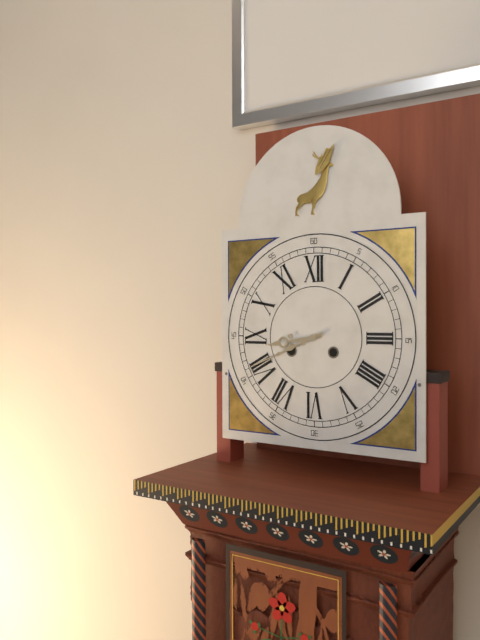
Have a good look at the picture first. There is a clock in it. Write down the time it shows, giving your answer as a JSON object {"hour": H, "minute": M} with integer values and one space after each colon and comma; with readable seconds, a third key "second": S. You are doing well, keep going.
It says {"hour": 8, "minute": 41}
